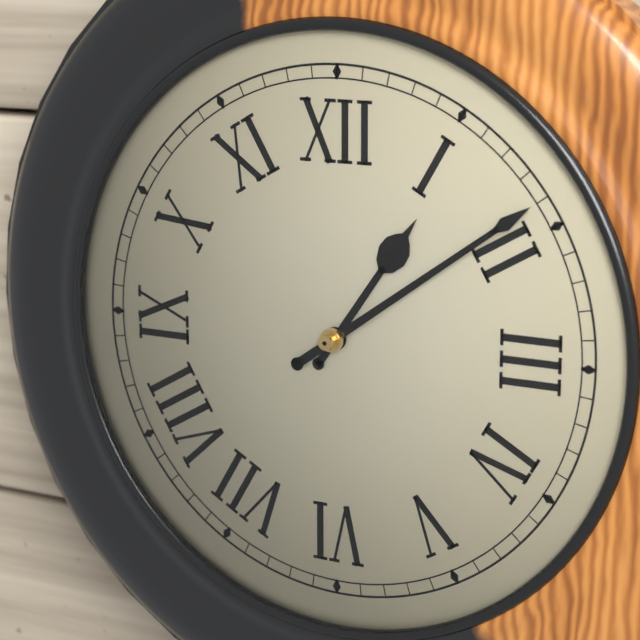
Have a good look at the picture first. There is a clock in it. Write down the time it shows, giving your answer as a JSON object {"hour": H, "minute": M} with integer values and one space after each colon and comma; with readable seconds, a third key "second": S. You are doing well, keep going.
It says {"hour": 1, "minute": 9}
